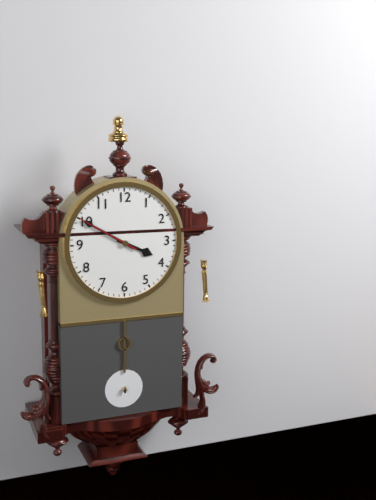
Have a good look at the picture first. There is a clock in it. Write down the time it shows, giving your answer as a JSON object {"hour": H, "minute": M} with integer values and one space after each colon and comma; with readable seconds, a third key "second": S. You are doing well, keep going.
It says {"hour": 3, "minute": 50, "second": 50}
